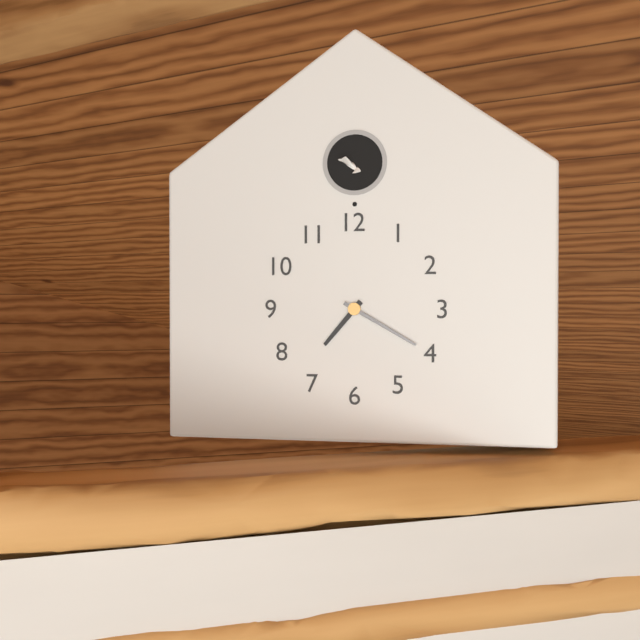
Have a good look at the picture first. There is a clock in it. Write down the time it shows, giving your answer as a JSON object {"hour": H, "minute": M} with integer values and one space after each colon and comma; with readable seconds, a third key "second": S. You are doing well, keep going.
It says {"hour": 7, "minute": 20}
